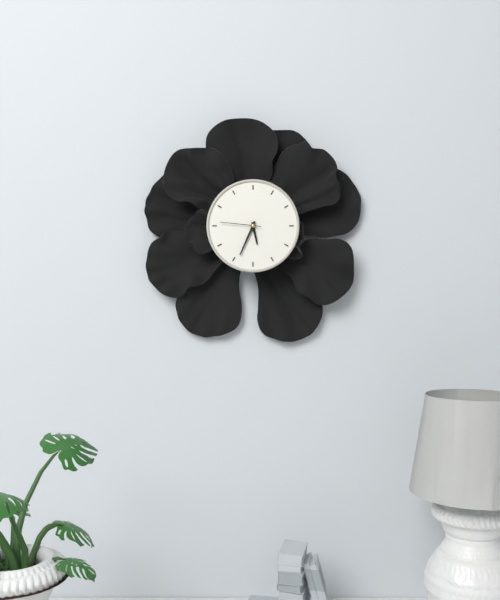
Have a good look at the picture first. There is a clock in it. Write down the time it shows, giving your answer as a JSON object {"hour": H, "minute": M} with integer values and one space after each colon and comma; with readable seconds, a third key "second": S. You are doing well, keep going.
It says {"hour": 5, "minute": 34}
